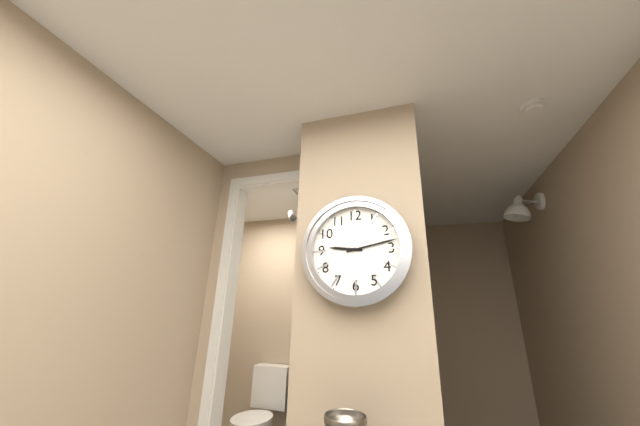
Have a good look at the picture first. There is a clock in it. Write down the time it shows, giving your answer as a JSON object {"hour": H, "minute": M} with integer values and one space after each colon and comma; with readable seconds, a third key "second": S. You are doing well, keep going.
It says {"hour": 9, "minute": 13}
